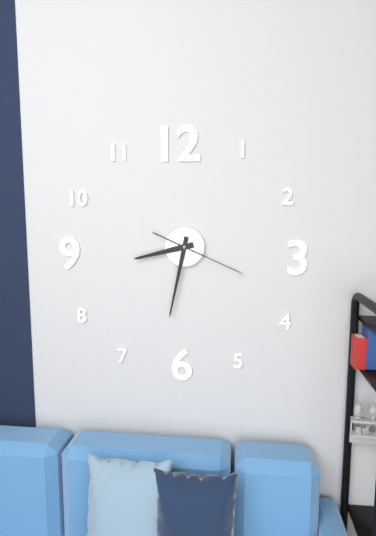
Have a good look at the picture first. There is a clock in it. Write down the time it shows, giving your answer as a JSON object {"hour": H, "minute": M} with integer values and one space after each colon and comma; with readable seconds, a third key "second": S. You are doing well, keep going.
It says {"hour": 8, "minute": 32, "second": 19}
